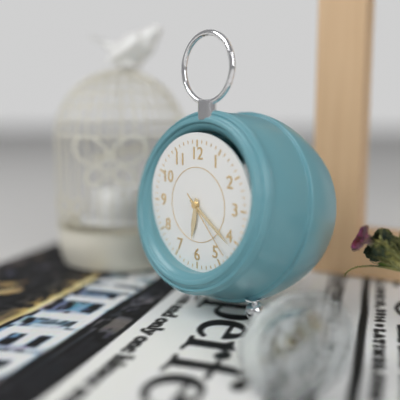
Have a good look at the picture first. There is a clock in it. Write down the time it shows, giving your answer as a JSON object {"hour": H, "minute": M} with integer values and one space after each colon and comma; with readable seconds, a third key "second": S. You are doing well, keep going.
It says {"hour": 6, "minute": 21, "second": 23}
